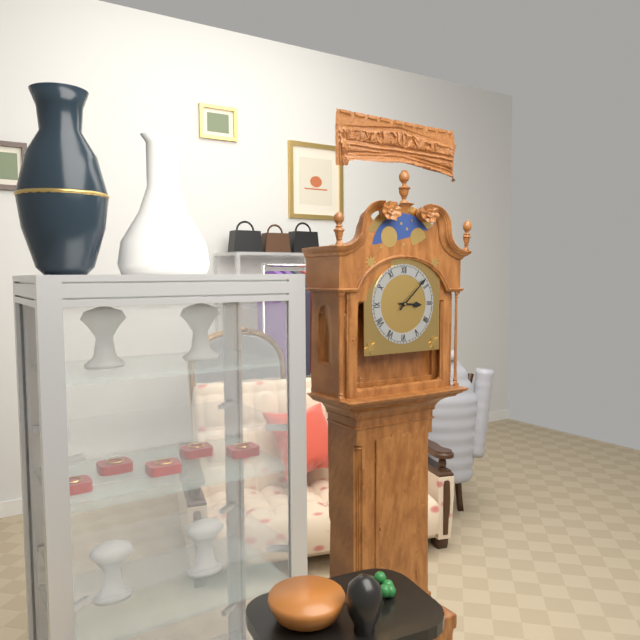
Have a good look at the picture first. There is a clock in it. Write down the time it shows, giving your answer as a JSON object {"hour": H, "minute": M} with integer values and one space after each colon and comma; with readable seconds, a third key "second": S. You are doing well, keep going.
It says {"hour": 3, "minute": 8}
